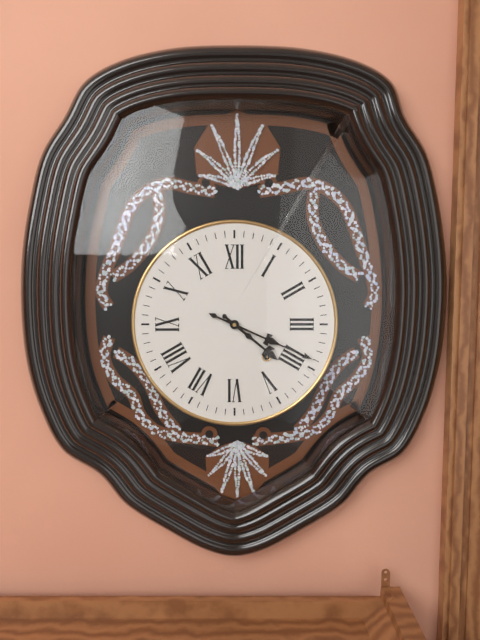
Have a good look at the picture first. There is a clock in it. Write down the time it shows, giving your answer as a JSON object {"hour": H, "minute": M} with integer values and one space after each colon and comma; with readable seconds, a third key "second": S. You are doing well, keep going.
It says {"hour": 4, "minute": 19}
